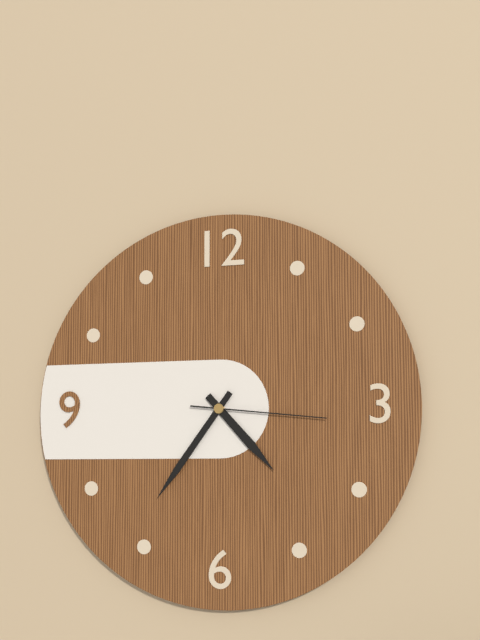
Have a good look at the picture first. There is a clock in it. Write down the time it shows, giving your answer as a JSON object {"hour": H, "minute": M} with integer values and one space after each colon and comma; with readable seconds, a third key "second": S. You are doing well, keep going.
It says {"hour": 4, "minute": 36, "second": 16}
